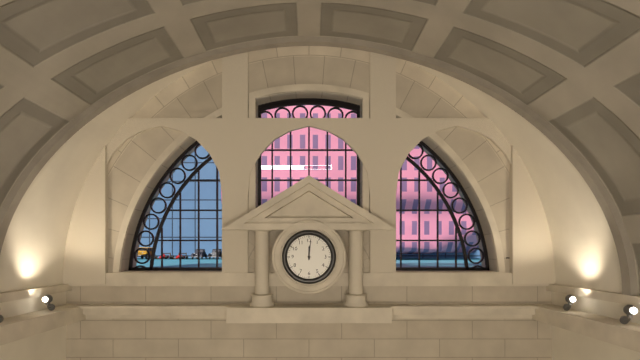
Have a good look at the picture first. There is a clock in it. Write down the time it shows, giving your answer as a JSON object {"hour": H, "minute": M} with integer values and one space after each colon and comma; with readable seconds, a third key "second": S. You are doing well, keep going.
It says {"hour": 12, "minute": 1}
